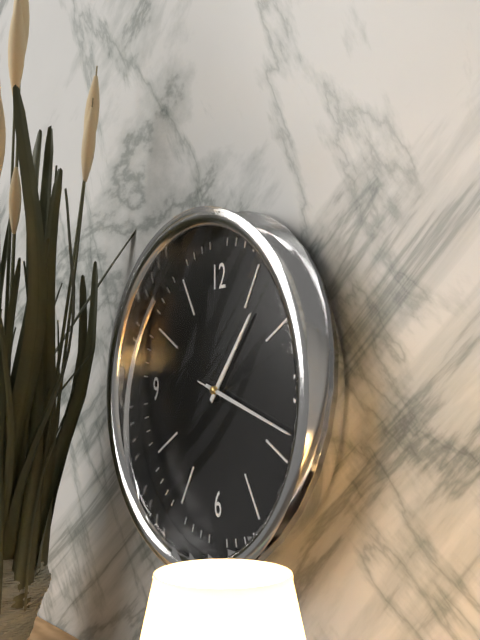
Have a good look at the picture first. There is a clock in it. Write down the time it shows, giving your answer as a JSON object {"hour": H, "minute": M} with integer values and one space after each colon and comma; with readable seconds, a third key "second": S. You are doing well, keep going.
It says {"hour": 1, "minute": 18, "second": 18}
